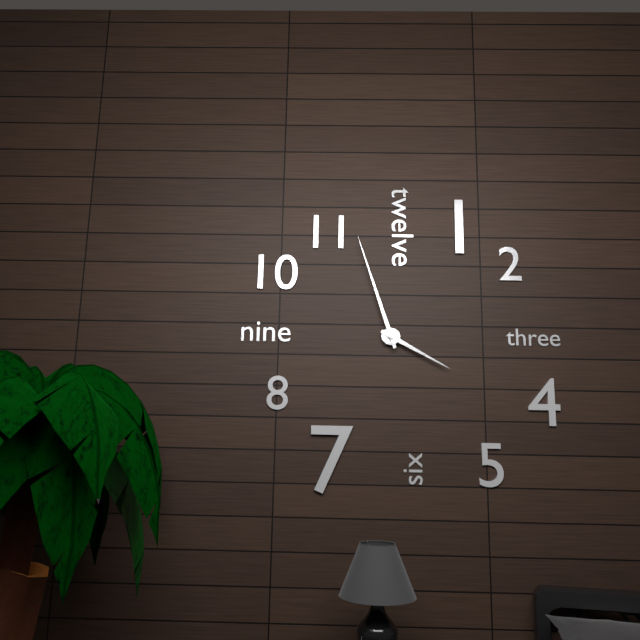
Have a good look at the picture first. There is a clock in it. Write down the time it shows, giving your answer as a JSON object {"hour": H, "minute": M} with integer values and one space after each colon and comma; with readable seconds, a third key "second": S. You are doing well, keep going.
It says {"hour": 3, "minute": 57}
